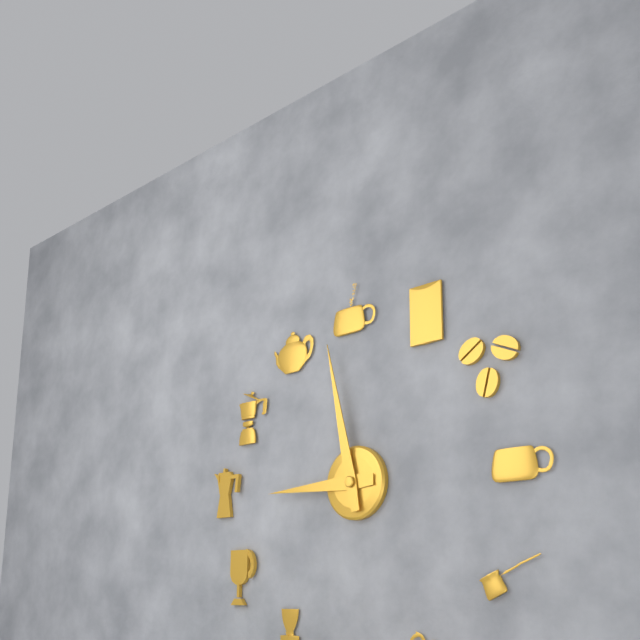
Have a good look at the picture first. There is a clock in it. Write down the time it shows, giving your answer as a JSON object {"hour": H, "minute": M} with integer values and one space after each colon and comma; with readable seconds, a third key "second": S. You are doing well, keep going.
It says {"hour": 8, "minute": 58}
